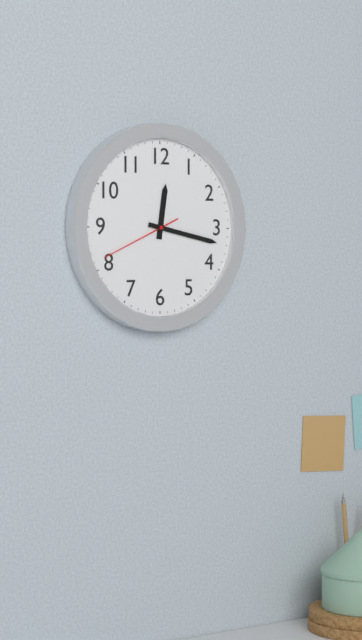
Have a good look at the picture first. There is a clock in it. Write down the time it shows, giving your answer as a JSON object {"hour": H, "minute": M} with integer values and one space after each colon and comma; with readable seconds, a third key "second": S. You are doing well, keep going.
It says {"hour": 12, "minute": 17, "second": 41}
